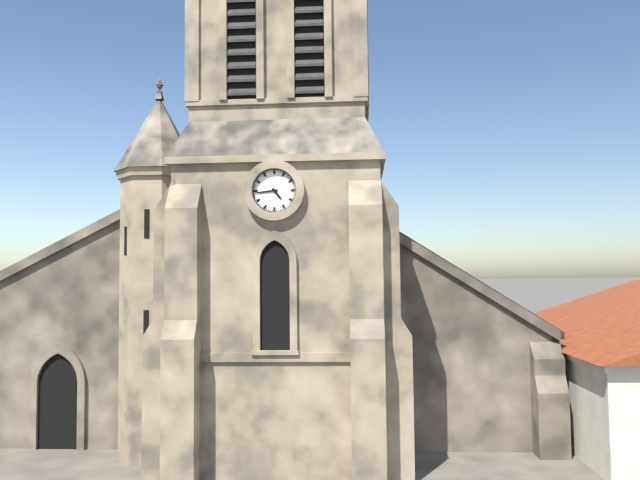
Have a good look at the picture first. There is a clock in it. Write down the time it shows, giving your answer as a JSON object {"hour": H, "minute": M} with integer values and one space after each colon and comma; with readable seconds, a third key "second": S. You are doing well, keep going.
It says {"hour": 4, "minute": 44}
